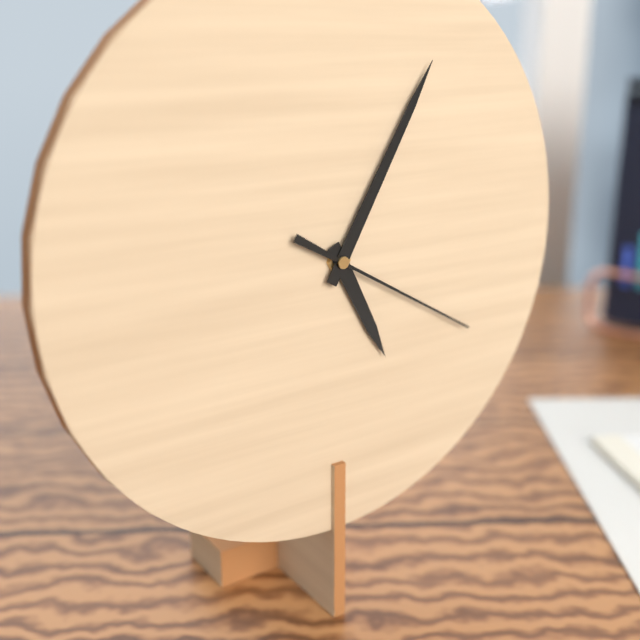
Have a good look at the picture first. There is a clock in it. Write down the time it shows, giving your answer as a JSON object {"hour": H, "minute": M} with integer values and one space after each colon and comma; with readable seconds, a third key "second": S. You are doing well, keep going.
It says {"hour": 5, "minute": 5, "second": 20}
